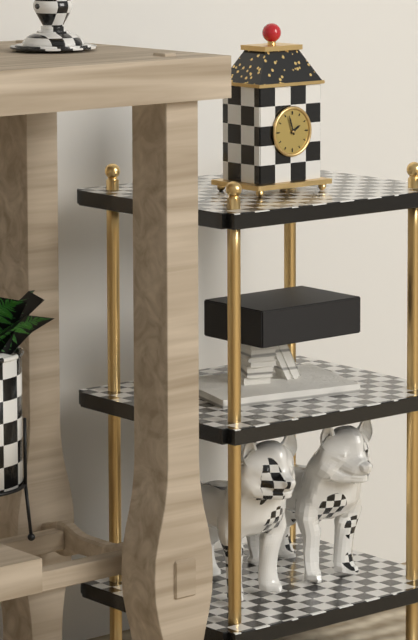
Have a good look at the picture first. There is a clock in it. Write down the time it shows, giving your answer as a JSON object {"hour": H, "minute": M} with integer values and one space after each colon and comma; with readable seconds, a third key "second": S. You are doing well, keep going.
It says {"hour": 1, "minute": 57}
